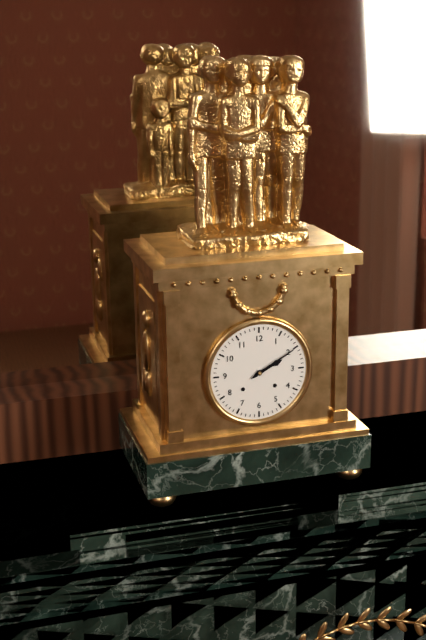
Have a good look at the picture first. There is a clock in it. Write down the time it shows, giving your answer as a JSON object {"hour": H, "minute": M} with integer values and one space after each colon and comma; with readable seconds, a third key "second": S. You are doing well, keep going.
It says {"hour": 2, "minute": 10}
